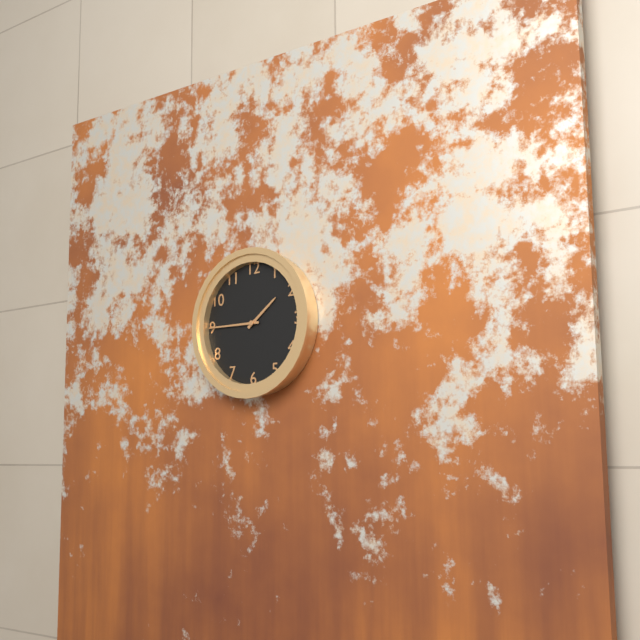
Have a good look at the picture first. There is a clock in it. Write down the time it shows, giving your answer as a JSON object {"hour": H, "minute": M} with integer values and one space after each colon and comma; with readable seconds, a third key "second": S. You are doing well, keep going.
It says {"hour": 1, "minute": 45}
